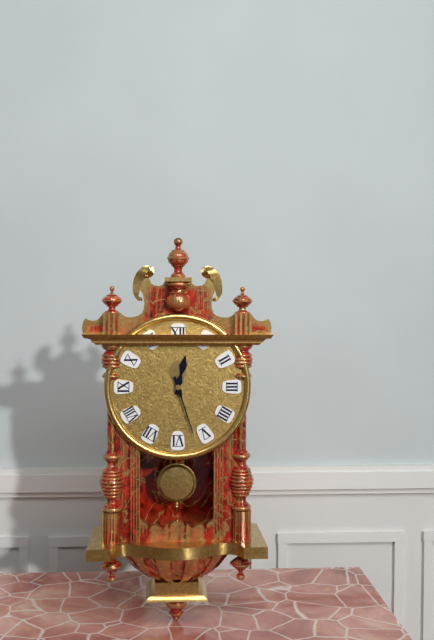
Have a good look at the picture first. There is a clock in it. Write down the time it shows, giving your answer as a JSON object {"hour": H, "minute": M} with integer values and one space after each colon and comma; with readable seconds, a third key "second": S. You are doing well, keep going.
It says {"hour": 12, "minute": 27}
